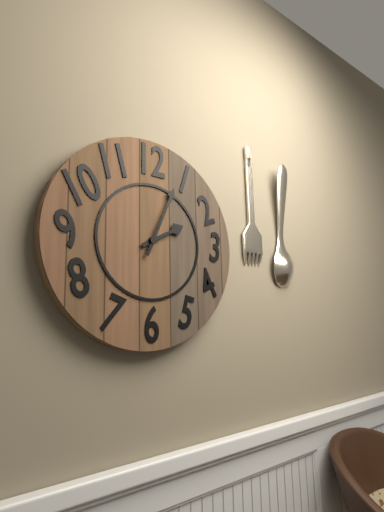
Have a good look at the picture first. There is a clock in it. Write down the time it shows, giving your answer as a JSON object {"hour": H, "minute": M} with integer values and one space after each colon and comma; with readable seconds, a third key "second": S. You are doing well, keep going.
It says {"hour": 2, "minute": 4}
